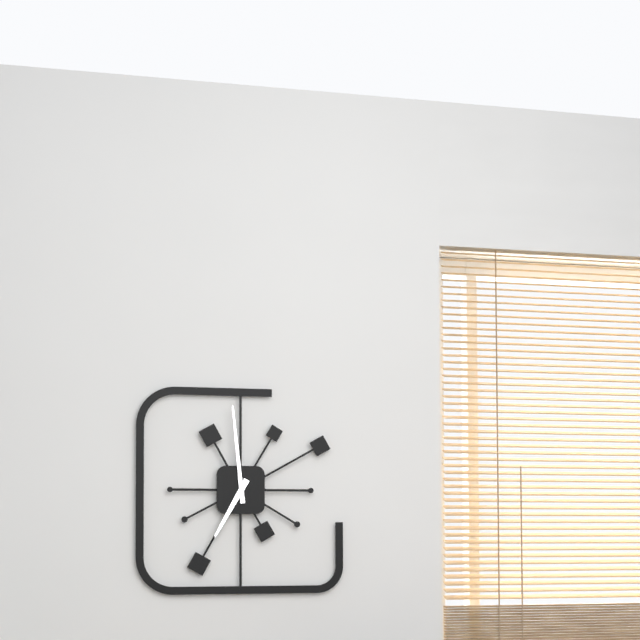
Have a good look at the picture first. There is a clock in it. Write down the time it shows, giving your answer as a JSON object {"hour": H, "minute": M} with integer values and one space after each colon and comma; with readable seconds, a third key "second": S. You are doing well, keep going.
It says {"hour": 6, "minute": 59}
